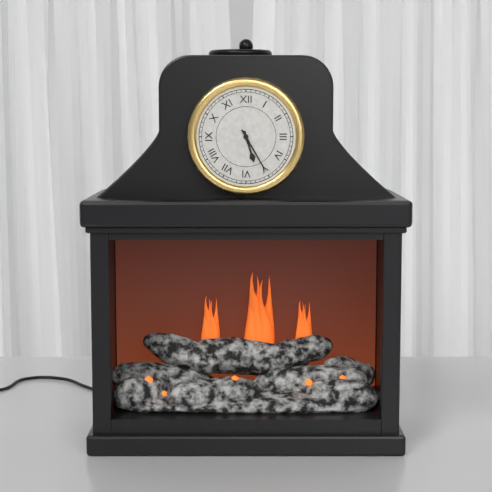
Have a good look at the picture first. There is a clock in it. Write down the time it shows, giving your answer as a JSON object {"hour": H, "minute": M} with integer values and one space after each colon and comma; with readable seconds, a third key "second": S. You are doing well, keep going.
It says {"hour": 5, "minute": 25}
